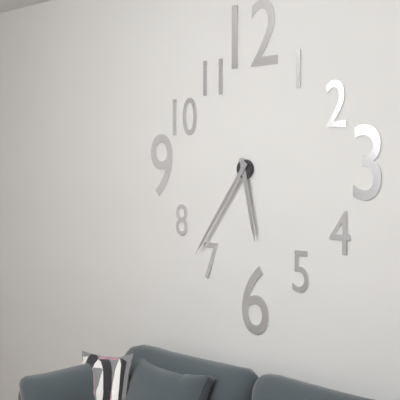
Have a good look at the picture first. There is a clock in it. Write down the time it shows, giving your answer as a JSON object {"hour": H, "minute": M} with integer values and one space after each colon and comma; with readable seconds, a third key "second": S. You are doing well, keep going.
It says {"hour": 5, "minute": 36}
